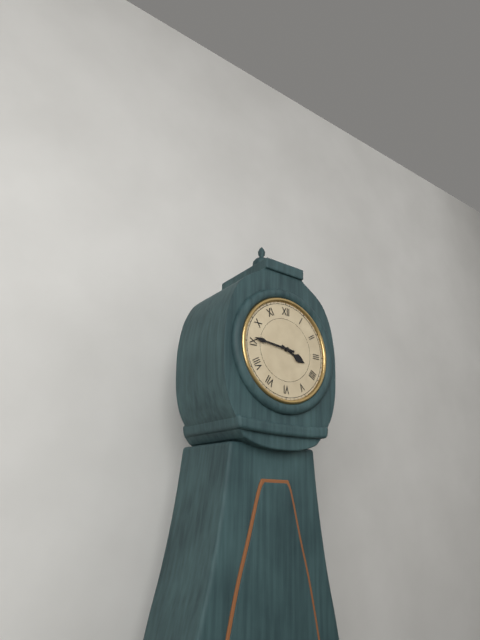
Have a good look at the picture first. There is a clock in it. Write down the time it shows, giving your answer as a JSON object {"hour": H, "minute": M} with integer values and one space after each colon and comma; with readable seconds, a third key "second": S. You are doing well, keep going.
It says {"hour": 3, "minute": 46}
